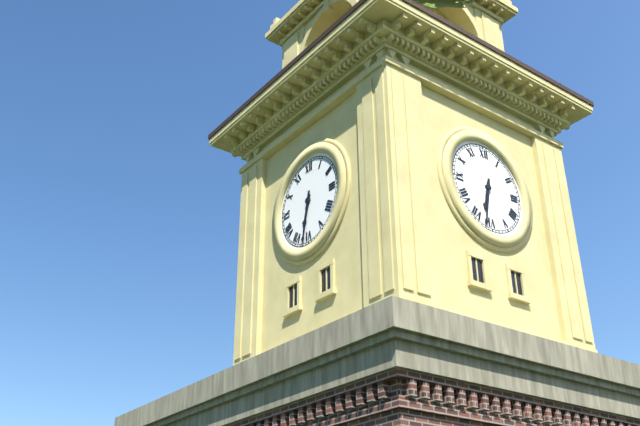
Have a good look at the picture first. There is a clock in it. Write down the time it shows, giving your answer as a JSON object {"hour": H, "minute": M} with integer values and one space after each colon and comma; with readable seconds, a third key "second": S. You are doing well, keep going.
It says {"hour": 6, "minute": 32}
